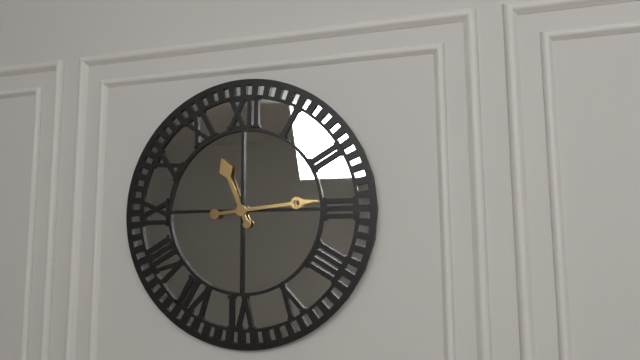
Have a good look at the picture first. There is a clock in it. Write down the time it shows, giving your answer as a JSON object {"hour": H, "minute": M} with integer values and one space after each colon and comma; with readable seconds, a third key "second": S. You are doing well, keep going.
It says {"hour": 11, "minute": 14}
